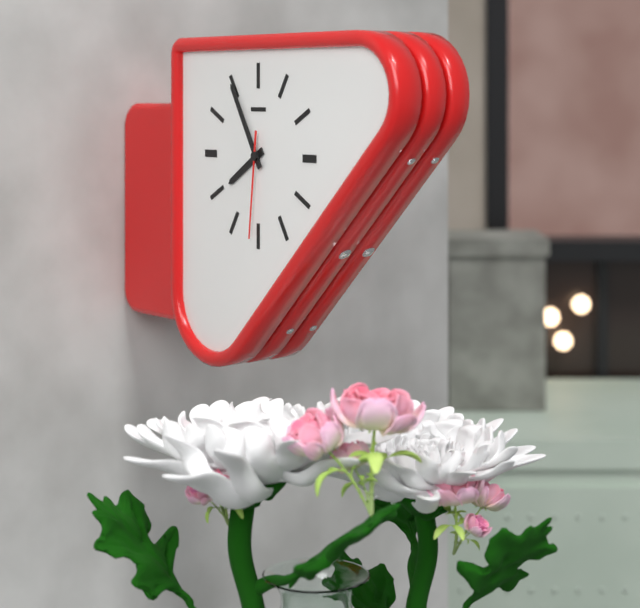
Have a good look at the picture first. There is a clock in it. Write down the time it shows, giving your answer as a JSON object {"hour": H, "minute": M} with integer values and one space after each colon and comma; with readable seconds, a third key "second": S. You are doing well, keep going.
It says {"hour": 7, "minute": 55, "second": 31}
